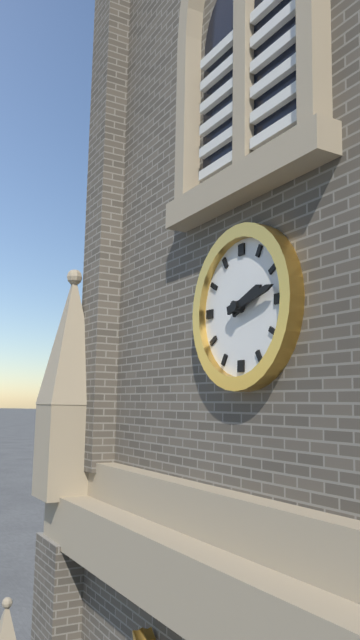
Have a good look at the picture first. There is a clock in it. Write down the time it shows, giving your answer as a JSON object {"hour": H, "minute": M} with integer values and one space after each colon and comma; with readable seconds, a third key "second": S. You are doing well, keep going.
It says {"hour": 2, "minute": 13}
